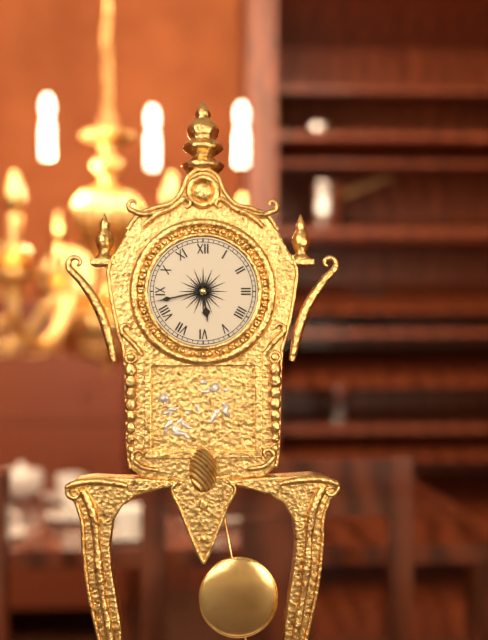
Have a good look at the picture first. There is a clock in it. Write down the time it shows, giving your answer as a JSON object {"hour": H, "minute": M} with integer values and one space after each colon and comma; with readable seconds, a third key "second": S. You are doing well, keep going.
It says {"hour": 5, "minute": 43}
